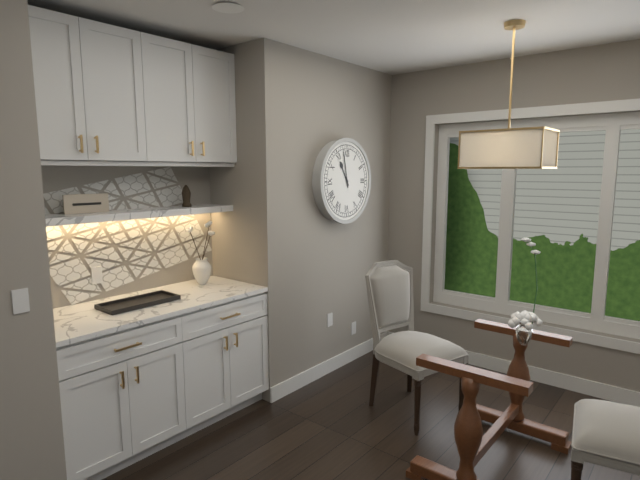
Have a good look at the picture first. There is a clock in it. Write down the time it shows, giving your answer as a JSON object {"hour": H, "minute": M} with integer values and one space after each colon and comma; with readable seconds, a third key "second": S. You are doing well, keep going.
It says {"hour": 10, "minute": 58}
